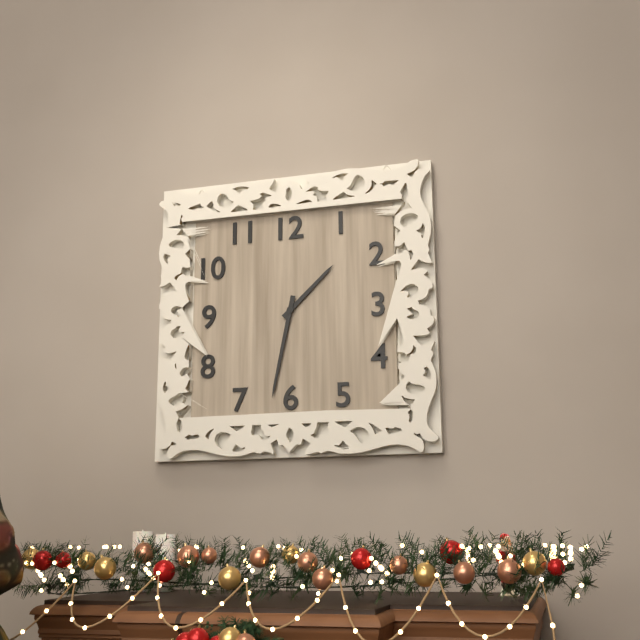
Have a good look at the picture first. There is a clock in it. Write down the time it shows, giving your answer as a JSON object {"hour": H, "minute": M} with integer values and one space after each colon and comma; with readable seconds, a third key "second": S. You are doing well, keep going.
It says {"hour": 1, "minute": 32}
